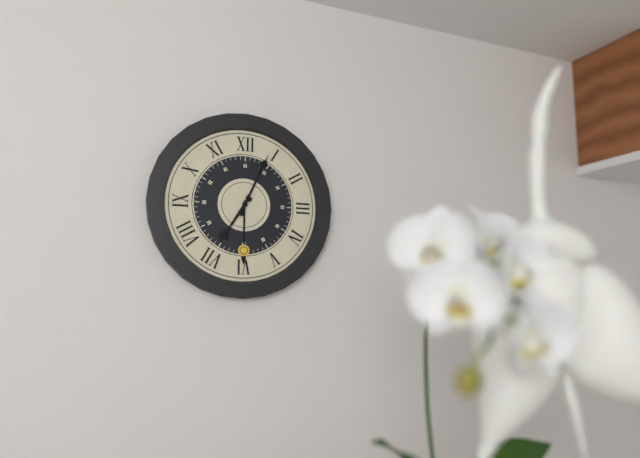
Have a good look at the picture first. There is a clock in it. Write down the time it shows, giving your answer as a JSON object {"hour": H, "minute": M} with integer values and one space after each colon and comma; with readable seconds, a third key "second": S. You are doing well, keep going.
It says {"hour": 7, "minute": 4}
